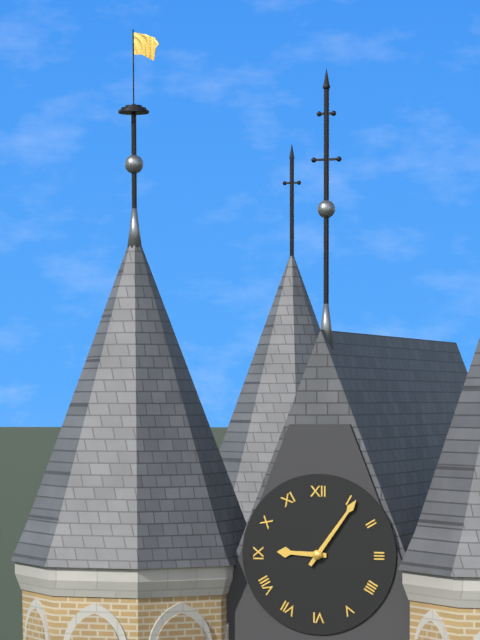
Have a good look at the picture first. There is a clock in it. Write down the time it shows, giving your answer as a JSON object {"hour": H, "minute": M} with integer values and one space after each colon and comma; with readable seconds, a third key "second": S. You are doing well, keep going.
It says {"hour": 9, "minute": 6}
